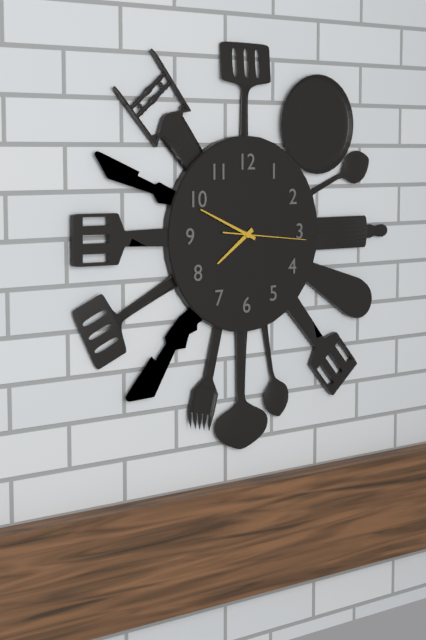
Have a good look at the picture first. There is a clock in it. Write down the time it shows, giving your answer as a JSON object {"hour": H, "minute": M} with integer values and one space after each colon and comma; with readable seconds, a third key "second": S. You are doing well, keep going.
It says {"hour": 7, "minute": 49, "second": 16}
